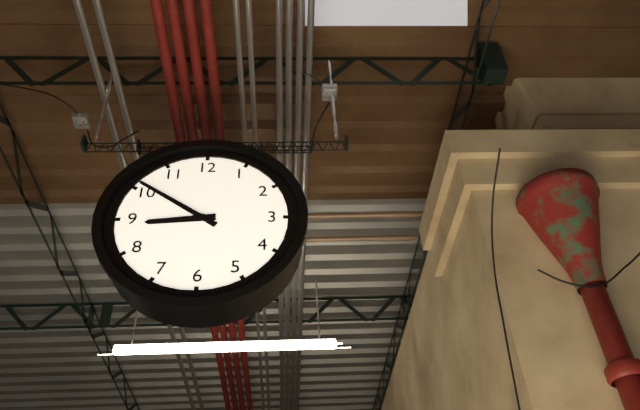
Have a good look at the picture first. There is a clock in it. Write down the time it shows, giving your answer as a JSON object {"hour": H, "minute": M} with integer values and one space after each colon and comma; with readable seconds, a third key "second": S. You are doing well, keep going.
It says {"hour": 8, "minute": 51}
